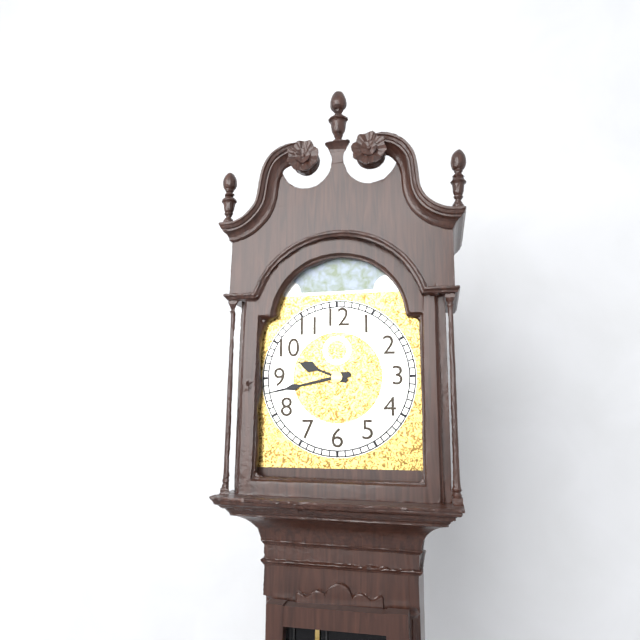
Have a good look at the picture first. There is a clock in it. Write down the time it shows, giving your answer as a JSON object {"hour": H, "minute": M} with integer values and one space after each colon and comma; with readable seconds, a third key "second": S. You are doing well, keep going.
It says {"hour": 9, "minute": 43}
